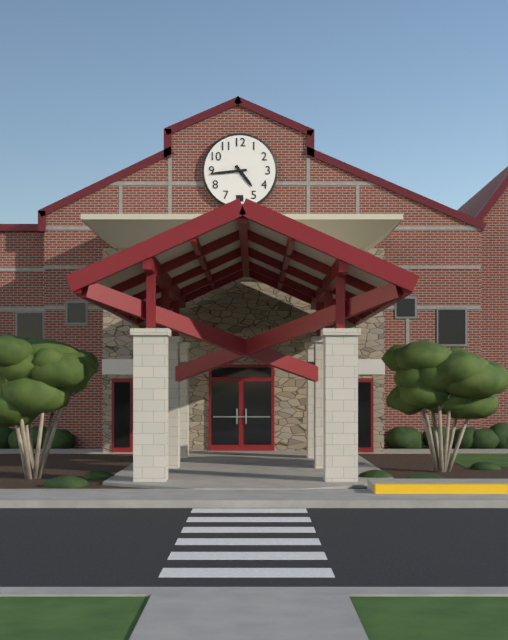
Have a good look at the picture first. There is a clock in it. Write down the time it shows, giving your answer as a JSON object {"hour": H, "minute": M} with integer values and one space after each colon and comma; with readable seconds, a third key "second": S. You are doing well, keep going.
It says {"hour": 4, "minute": 44}
